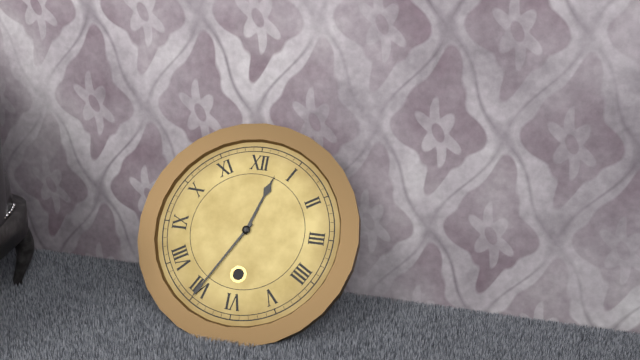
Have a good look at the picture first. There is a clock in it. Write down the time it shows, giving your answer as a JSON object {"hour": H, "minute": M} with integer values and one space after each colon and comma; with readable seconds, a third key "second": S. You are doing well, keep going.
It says {"hour": 12, "minute": 35}
